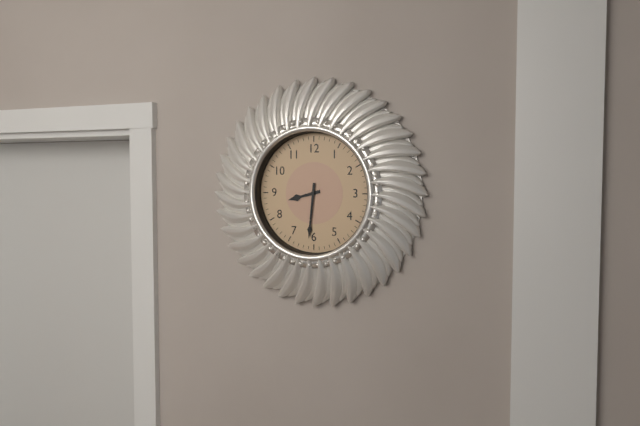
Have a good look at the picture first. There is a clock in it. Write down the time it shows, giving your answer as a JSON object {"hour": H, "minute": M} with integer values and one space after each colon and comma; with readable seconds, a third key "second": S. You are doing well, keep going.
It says {"hour": 8, "minute": 31}
